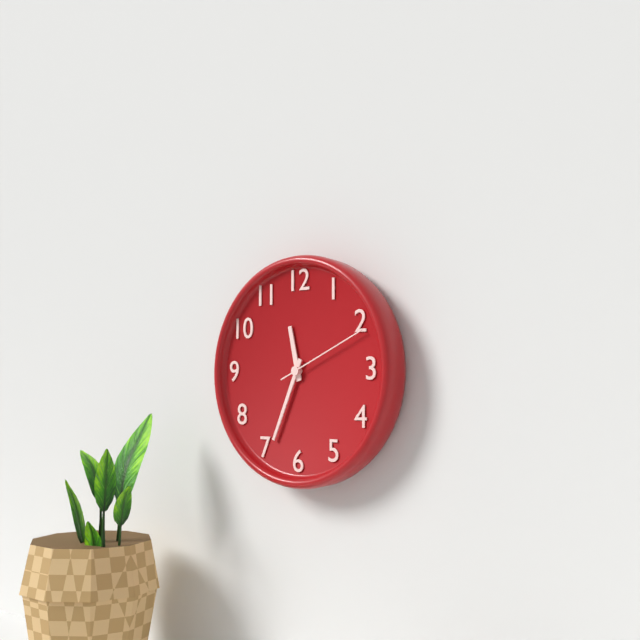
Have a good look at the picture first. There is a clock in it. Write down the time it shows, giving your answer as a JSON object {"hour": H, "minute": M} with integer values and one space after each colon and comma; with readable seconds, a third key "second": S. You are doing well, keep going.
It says {"hour": 11, "minute": 34, "second": 11}
